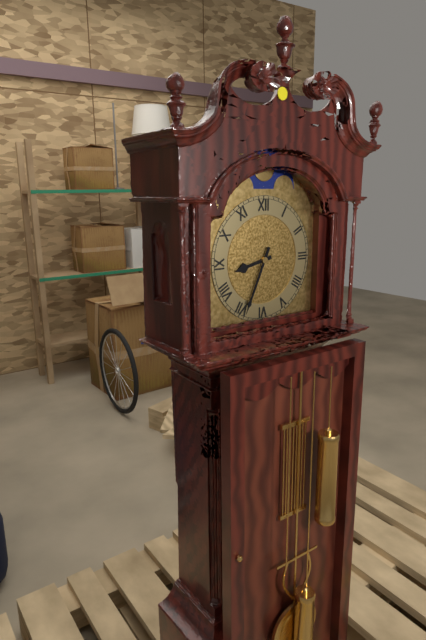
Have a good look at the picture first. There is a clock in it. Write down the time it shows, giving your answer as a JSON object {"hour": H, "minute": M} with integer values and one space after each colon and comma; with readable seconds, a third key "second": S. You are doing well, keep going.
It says {"hour": 8, "minute": 34}
